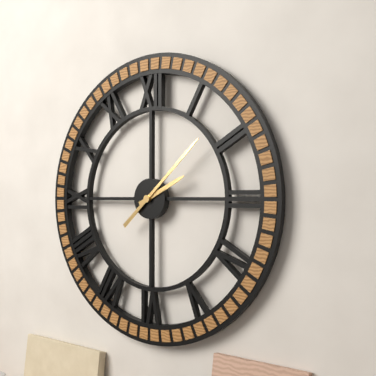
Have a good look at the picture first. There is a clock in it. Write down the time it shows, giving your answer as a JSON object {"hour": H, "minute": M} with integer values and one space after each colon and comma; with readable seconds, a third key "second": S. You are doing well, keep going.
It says {"hour": 2, "minute": 8}
